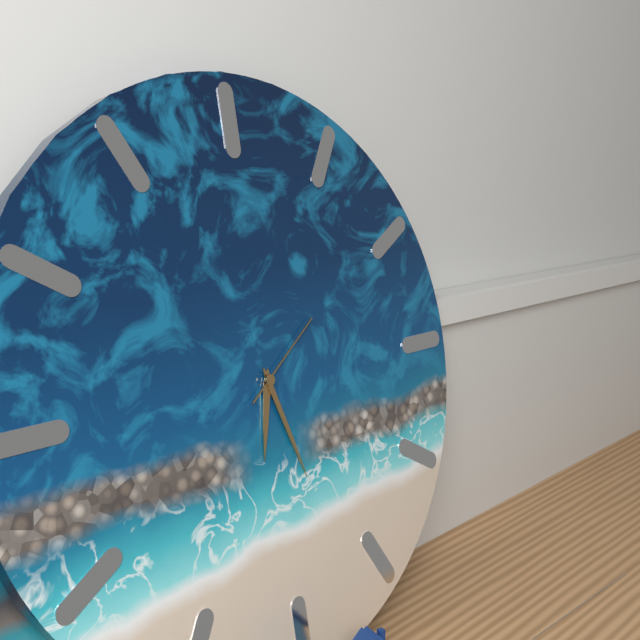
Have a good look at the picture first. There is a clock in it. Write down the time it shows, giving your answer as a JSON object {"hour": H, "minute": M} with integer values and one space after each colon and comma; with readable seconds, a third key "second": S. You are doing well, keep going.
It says {"hour": 6, "minute": 27, "second": 9}
